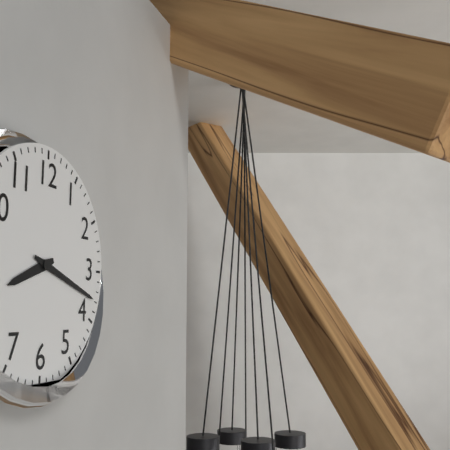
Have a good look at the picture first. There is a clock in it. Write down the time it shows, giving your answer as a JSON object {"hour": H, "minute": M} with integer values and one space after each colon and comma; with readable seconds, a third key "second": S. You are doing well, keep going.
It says {"hour": 8, "minute": 18}
